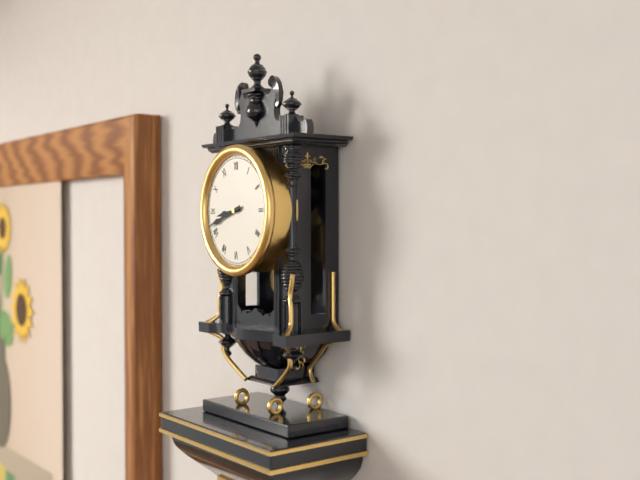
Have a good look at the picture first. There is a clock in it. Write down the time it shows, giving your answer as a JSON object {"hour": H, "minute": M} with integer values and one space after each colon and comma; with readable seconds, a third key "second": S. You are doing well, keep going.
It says {"hour": 8, "minute": 42}
